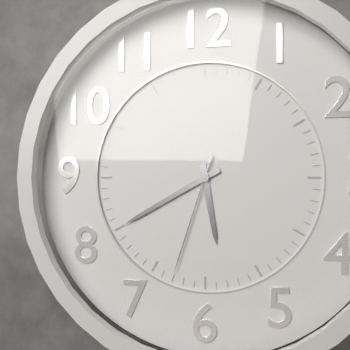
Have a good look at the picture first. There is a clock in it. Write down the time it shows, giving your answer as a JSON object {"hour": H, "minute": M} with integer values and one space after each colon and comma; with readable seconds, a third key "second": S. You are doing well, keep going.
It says {"hour": 5, "minute": 40, "second": 33}
